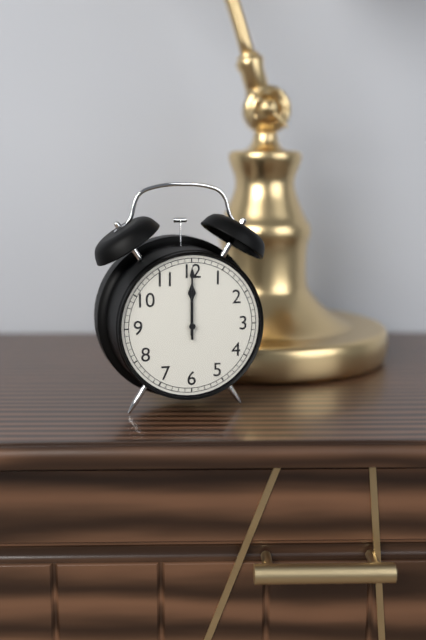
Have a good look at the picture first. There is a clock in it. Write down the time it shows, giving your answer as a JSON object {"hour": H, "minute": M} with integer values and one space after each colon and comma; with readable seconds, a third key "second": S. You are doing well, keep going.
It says {"hour": 12, "minute": 0}
